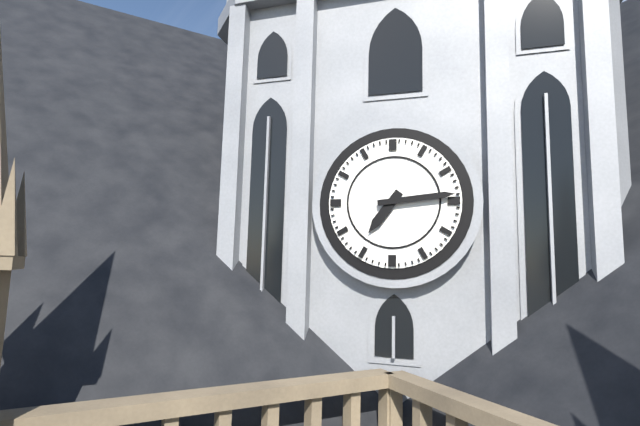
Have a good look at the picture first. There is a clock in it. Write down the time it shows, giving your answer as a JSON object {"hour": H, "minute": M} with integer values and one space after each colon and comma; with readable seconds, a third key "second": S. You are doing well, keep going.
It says {"hour": 7, "minute": 14}
